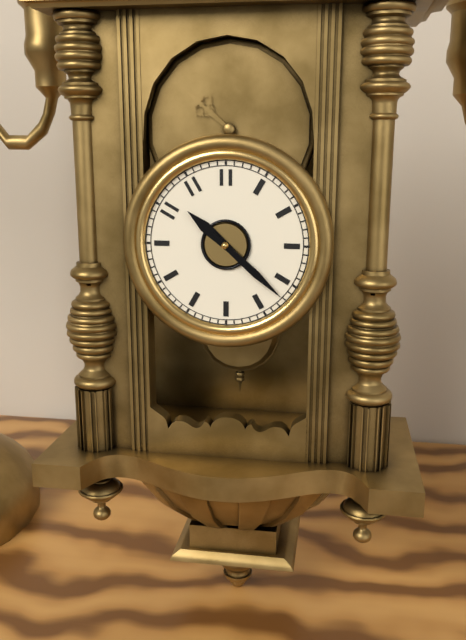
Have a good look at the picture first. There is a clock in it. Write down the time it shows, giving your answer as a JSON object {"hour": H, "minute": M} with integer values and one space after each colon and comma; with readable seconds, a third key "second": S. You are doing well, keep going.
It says {"hour": 10, "minute": 22}
